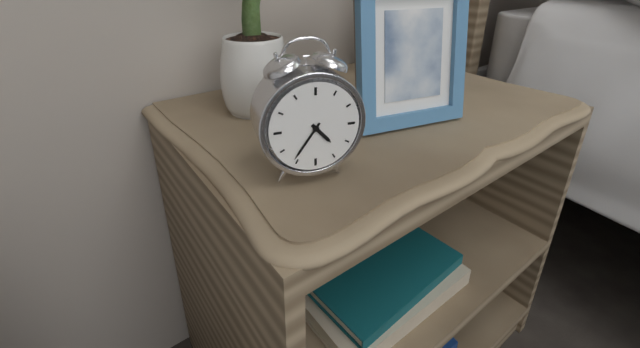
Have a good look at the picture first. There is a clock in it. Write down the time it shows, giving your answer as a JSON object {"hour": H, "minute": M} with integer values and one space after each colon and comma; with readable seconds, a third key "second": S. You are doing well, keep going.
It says {"hour": 4, "minute": 36}
